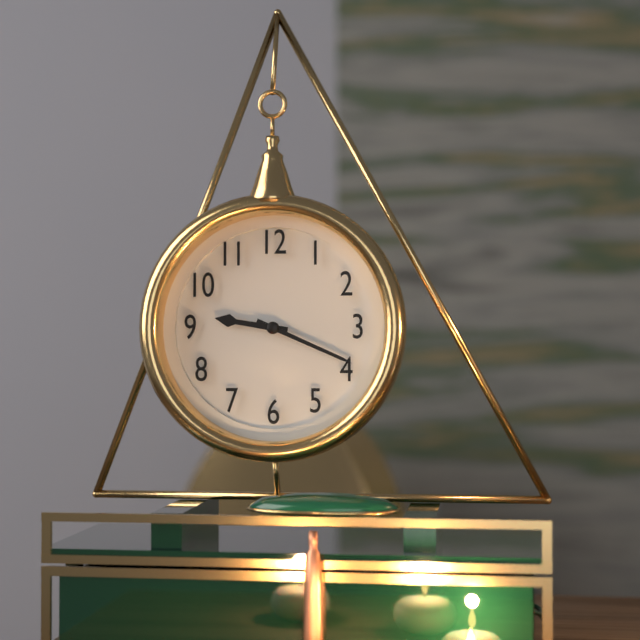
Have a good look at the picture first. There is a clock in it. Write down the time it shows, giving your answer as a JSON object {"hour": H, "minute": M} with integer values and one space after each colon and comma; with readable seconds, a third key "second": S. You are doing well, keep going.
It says {"hour": 9, "minute": 19}
